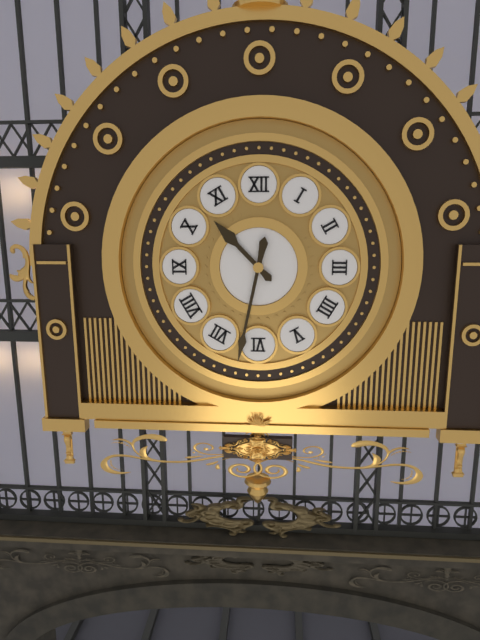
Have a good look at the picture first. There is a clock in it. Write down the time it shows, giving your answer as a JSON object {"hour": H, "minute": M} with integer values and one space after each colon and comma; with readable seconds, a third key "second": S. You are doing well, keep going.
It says {"hour": 10, "minute": 32}
